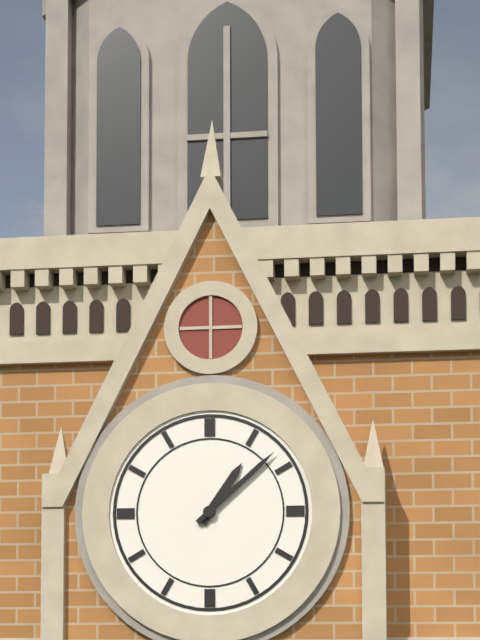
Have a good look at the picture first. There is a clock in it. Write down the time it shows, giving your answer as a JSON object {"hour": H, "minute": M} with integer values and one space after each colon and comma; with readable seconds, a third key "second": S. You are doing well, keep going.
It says {"hour": 1, "minute": 8}
